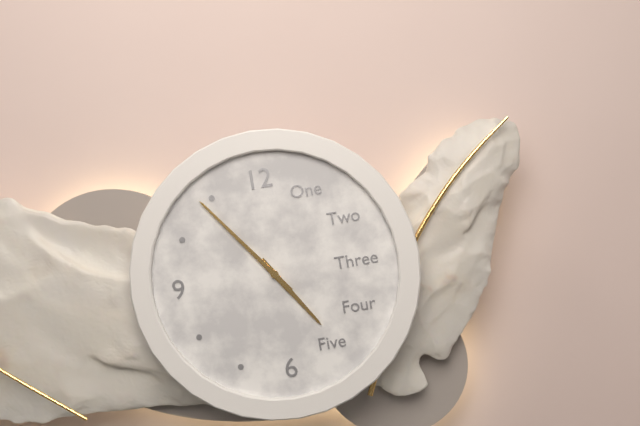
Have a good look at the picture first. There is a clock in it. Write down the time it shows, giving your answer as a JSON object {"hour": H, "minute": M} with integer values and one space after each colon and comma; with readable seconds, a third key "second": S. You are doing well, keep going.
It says {"hour": 4, "minute": 54}
